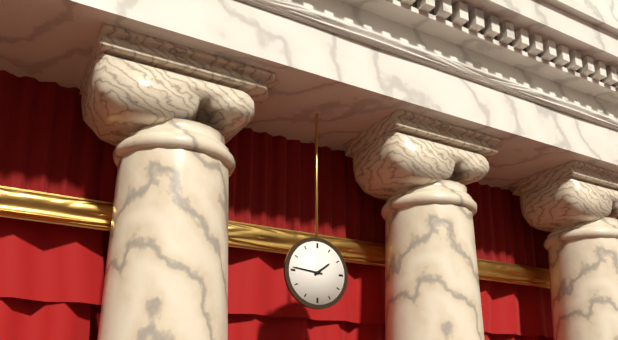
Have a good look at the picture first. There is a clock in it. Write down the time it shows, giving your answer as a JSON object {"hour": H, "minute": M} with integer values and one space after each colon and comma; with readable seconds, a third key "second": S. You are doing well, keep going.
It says {"hour": 1, "minute": 46}
